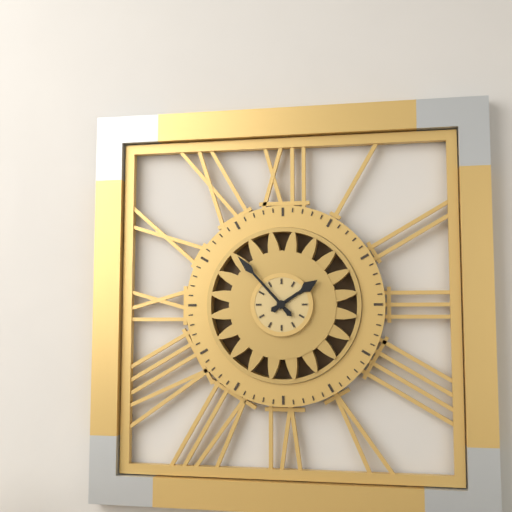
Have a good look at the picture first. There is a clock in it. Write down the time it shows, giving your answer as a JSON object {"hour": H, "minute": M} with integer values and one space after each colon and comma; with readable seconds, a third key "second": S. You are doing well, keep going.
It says {"hour": 1, "minute": 53}
